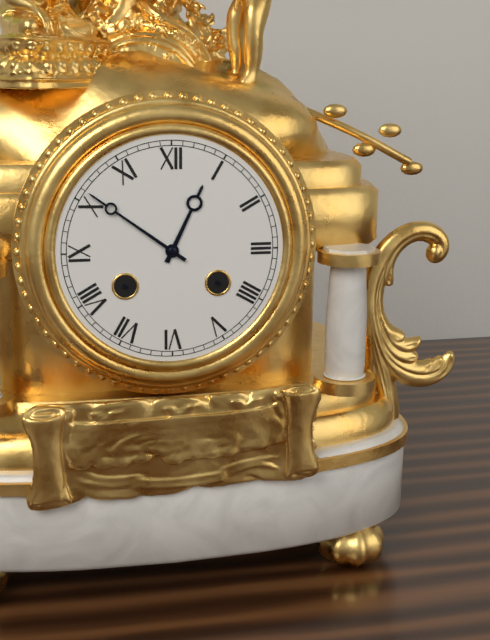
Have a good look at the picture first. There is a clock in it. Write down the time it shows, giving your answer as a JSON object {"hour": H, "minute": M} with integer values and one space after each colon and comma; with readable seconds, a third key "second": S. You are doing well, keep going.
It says {"hour": 12, "minute": 51}
